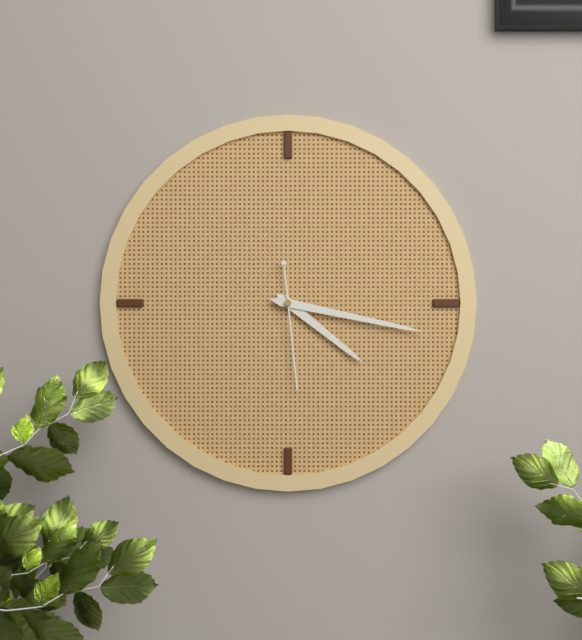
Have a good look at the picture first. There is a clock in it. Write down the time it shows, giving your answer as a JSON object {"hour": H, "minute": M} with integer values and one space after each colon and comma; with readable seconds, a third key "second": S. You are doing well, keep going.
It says {"hour": 4, "minute": 17, "second": 29}
